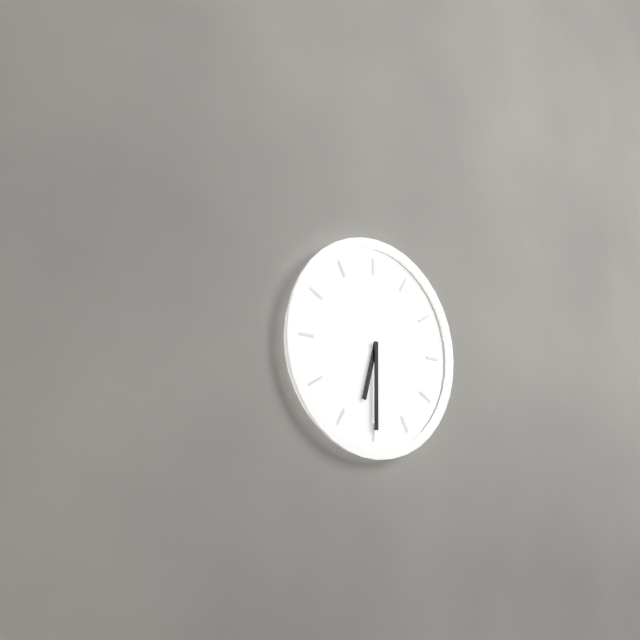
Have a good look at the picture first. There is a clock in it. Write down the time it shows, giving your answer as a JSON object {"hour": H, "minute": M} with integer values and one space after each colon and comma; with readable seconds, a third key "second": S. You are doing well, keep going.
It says {"hour": 6, "minute": 30}
